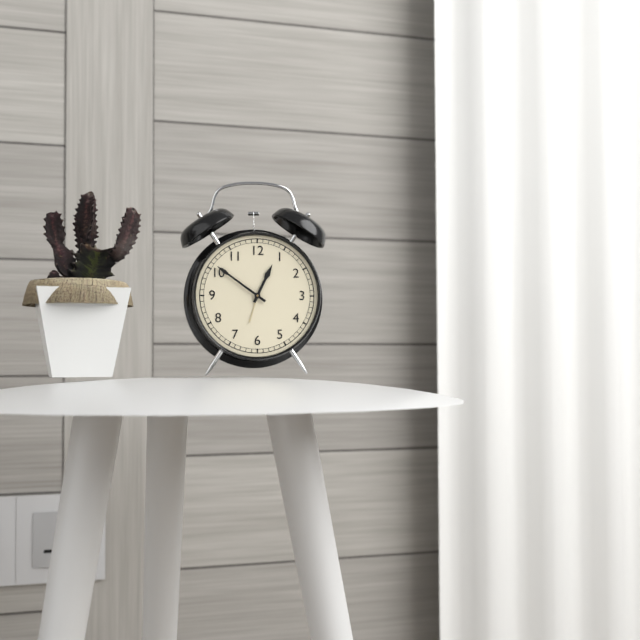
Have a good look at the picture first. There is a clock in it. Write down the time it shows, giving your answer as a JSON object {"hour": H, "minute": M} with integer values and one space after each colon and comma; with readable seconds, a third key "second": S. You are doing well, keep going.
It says {"hour": 12, "minute": 51}
